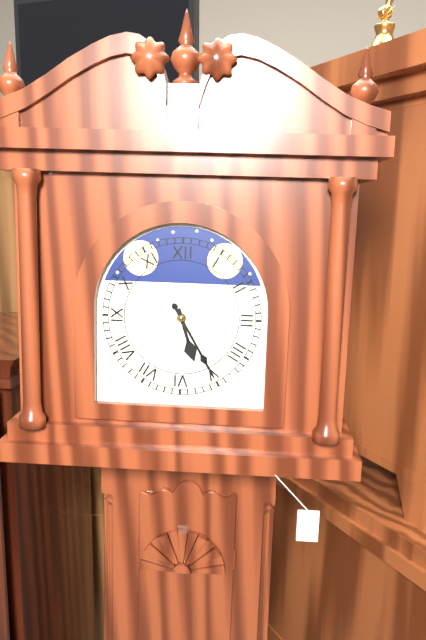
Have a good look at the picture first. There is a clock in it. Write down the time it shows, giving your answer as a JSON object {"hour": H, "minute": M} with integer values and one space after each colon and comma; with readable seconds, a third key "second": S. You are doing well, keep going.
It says {"hour": 5, "minute": 25}
